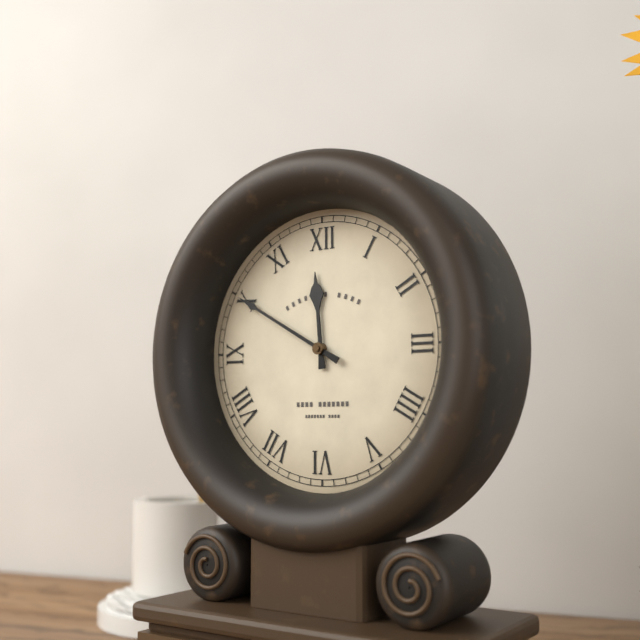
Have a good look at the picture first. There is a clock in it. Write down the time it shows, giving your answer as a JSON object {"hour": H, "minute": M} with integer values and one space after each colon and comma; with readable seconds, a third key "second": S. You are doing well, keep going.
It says {"hour": 11, "minute": 50}
